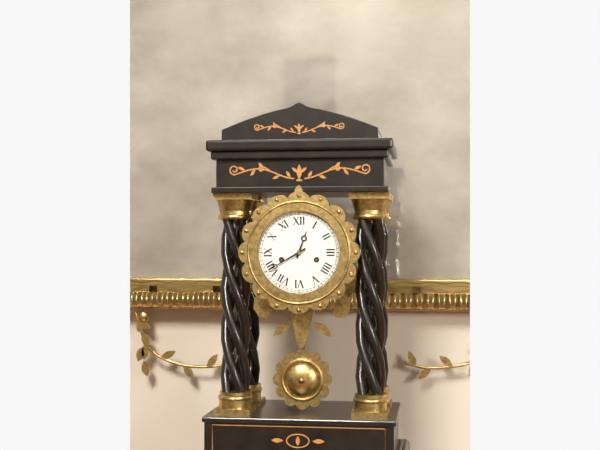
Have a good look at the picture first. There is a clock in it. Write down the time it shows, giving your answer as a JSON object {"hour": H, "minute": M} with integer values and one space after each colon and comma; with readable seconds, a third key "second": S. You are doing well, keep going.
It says {"hour": 12, "minute": 40}
